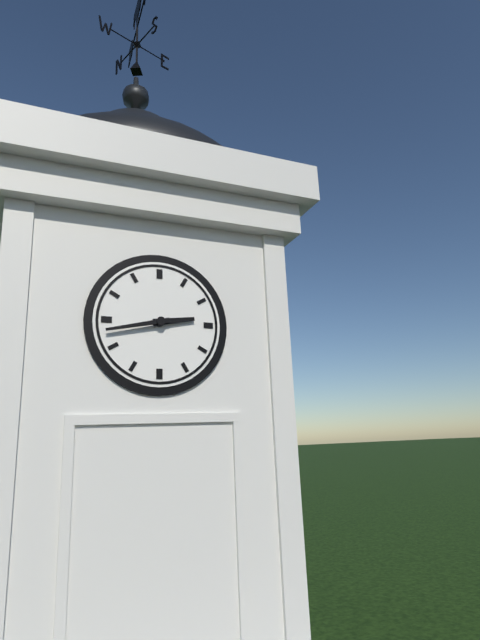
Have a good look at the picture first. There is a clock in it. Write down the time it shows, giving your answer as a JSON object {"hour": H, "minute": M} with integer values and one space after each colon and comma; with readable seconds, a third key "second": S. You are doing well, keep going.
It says {"hour": 2, "minute": 43}
